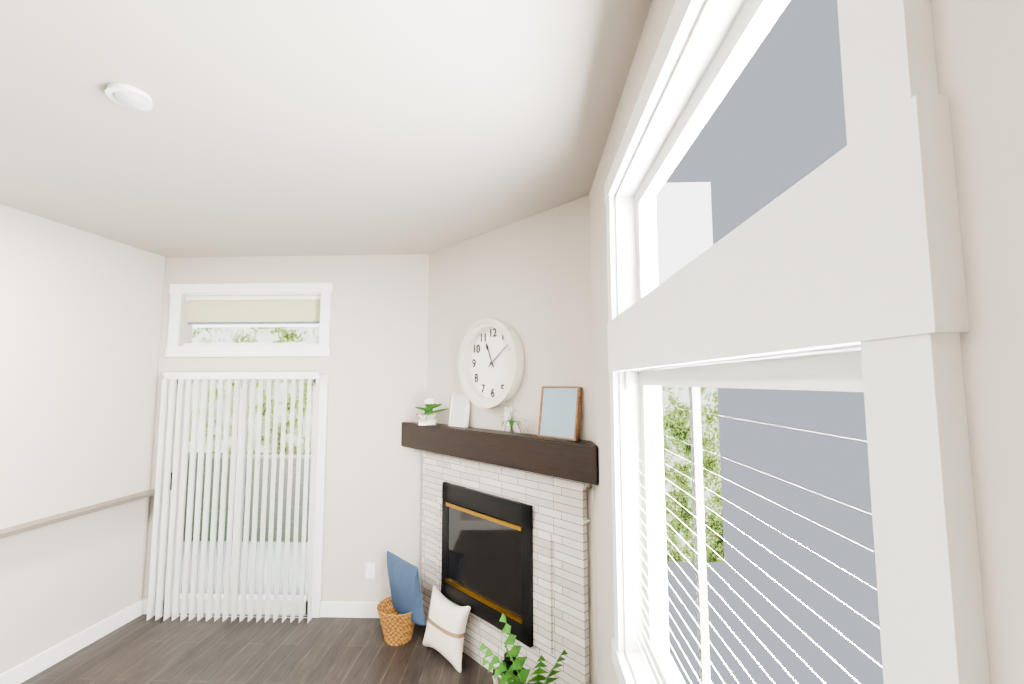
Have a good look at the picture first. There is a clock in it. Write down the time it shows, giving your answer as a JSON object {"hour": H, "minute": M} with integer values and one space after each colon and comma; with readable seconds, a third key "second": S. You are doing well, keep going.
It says {"hour": 11, "minute": 9}
